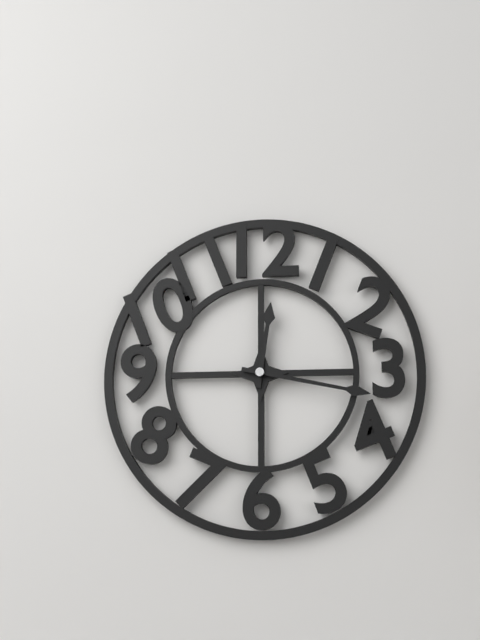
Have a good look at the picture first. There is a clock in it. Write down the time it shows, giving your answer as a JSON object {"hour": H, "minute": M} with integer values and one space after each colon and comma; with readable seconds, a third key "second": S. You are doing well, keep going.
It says {"hour": 12, "minute": 17}
